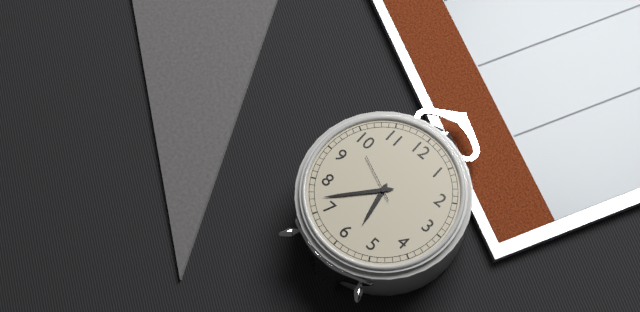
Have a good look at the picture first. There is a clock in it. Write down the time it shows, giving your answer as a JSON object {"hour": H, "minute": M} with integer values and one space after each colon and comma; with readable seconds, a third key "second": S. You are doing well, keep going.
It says {"hour": 5, "minute": 37}
